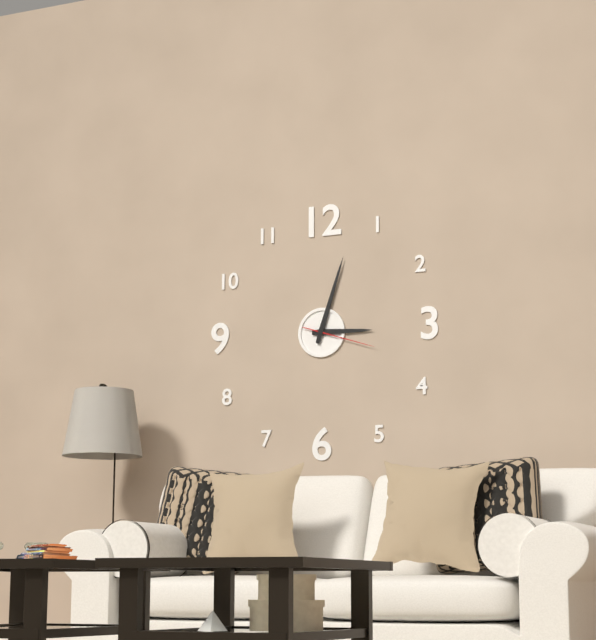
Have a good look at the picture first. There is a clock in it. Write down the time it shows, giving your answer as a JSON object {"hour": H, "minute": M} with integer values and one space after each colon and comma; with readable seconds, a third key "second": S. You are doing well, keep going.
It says {"hour": 3, "minute": 3, "second": 18}
